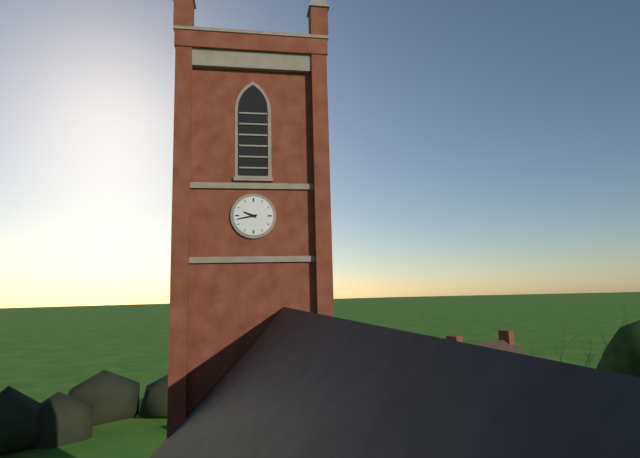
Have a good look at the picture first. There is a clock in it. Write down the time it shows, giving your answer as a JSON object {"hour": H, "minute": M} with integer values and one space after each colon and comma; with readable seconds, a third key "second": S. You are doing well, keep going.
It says {"hour": 9, "minute": 43}
